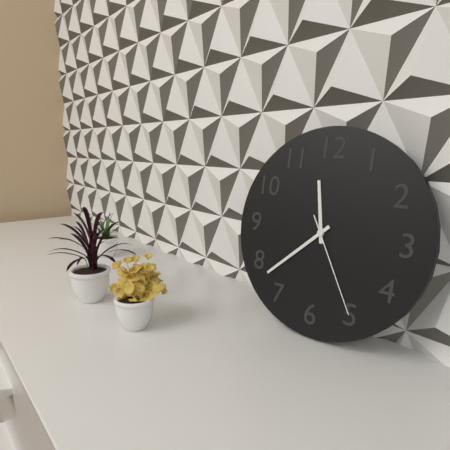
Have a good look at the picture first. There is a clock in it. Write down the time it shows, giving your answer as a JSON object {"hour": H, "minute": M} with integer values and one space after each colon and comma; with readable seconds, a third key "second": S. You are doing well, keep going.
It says {"hour": 11, "minute": 38, "second": 25}
